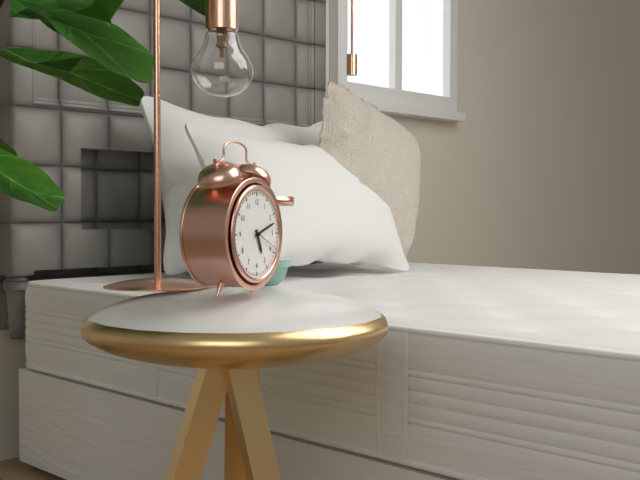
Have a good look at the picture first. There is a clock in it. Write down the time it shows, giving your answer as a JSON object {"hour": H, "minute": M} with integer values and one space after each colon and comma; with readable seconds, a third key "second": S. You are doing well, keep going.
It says {"hour": 5, "minute": 12}
